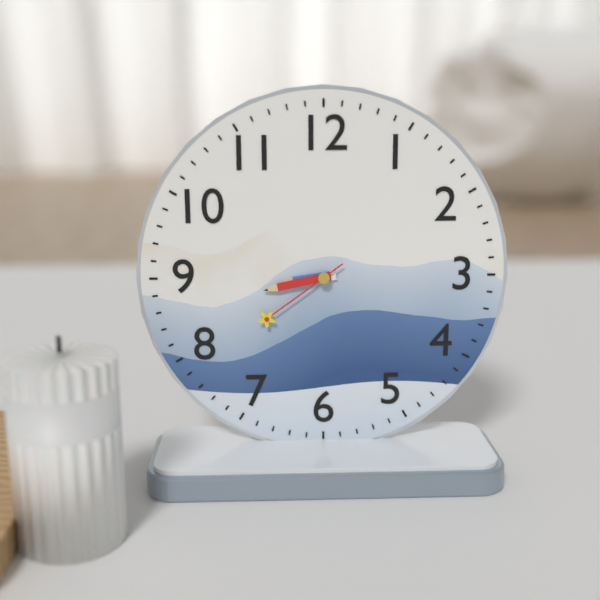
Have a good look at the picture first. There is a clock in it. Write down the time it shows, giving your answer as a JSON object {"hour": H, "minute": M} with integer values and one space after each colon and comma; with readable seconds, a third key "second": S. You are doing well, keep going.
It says {"hour": 8, "minute": 43, "second": 39}
